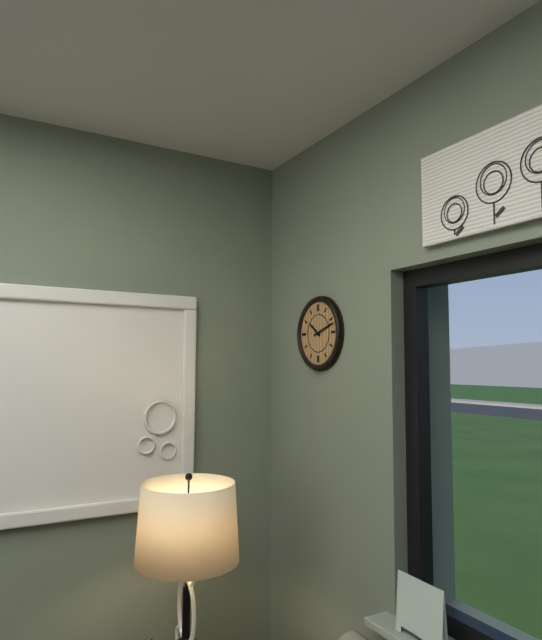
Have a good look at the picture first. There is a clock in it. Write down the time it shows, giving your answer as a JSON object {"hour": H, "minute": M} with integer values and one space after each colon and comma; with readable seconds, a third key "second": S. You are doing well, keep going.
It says {"hour": 10, "minute": 12}
